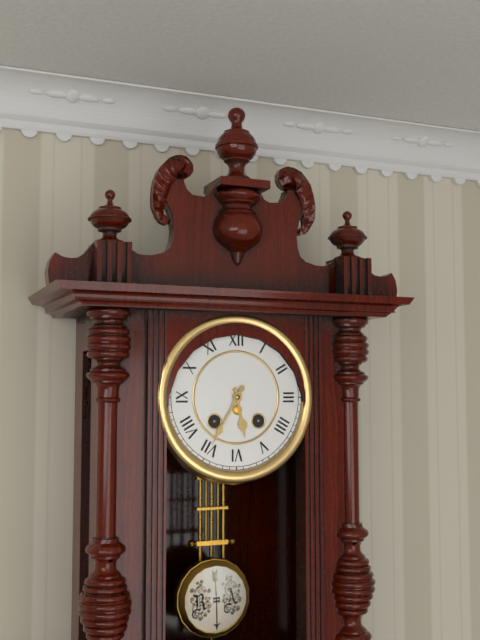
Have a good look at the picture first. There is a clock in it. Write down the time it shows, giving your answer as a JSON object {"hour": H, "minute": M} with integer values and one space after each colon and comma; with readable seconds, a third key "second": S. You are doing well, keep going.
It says {"hour": 5, "minute": 35}
